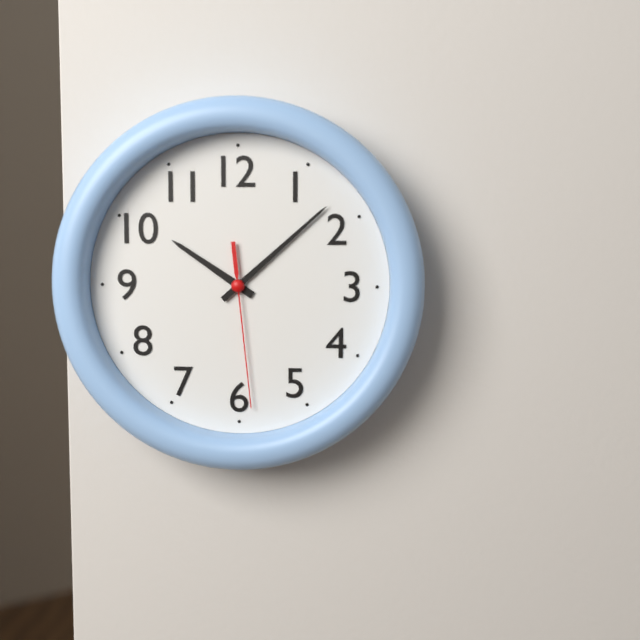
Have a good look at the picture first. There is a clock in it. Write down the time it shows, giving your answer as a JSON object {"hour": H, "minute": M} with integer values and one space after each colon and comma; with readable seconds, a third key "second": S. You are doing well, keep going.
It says {"hour": 10, "minute": 8, "second": 29}
